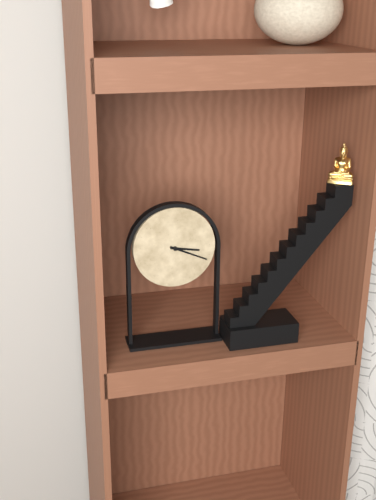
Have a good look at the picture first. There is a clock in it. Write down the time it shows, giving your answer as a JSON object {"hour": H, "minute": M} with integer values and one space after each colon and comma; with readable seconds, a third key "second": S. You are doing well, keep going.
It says {"hour": 3, "minute": 19}
